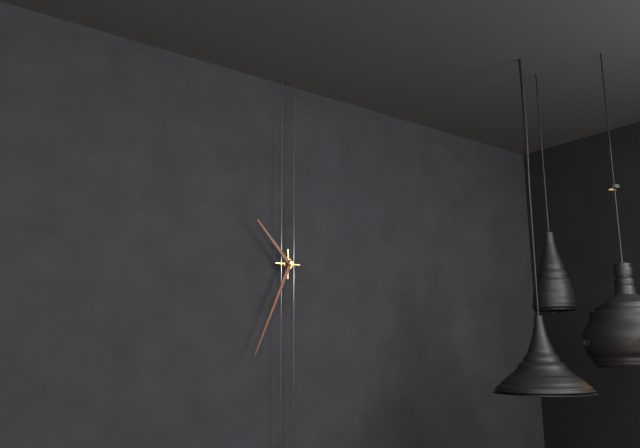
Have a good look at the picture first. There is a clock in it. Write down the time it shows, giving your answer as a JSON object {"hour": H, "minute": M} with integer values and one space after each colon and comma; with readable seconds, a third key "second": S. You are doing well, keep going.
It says {"hour": 10, "minute": 34}
